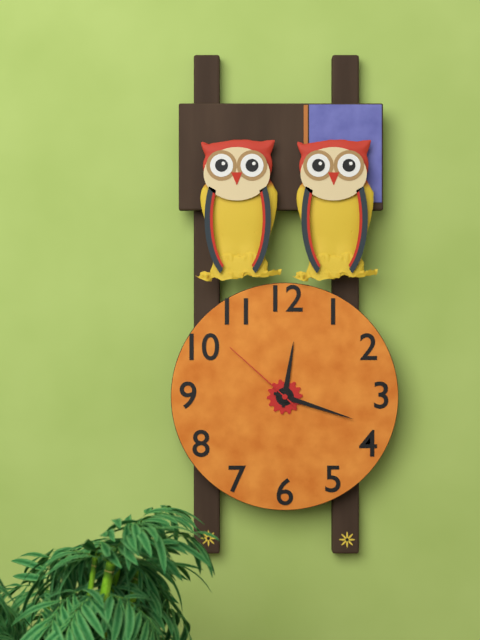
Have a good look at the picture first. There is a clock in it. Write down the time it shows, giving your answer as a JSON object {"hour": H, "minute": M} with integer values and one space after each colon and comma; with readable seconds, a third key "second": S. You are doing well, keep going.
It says {"hour": 12, "minute": 18, "second": 52}
